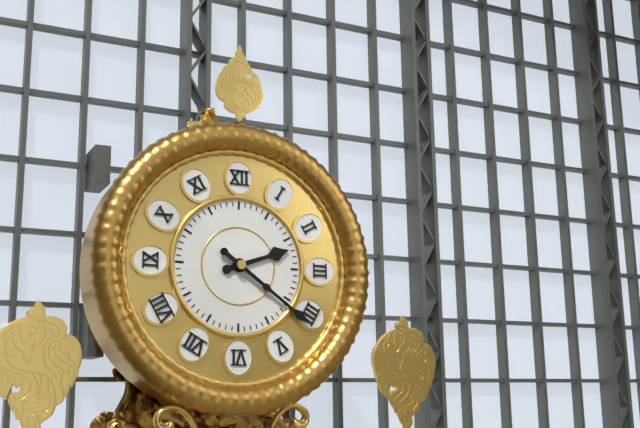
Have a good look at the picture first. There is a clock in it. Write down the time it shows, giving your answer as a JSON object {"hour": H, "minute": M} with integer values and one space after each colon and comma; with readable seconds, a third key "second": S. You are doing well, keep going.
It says {"hour": 2, "minute": 21}
